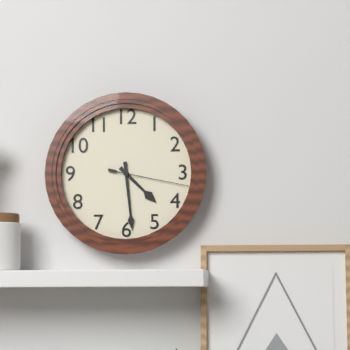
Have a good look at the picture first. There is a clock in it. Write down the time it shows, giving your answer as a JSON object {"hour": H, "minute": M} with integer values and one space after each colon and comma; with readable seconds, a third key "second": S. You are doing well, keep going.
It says {"hour": 4, "minute": 29, "second": 17}
